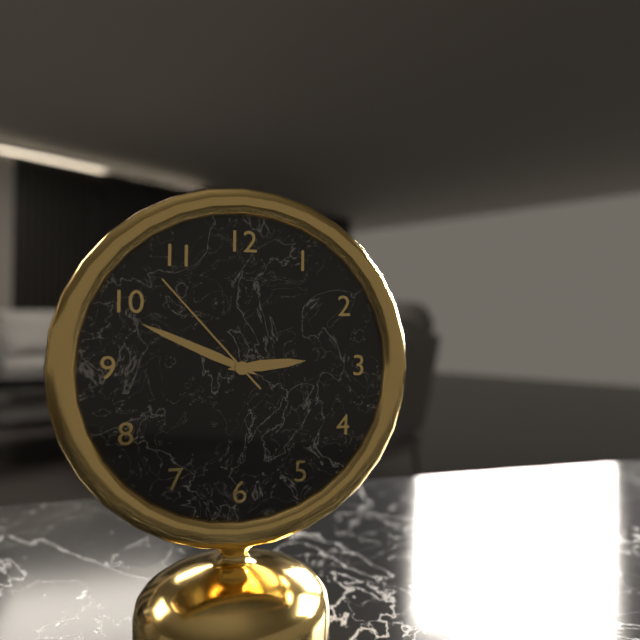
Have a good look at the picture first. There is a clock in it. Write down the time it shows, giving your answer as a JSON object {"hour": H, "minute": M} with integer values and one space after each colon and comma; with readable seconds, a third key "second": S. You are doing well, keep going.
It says {"hour": 2, "minute": 49, "second": 53}
